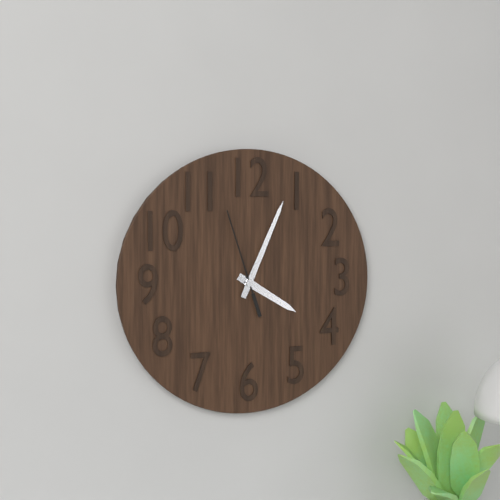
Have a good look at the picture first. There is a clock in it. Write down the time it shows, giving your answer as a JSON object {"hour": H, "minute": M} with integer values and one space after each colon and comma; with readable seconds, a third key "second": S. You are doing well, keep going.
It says {"hour": 4, "minute": 4, "second": 57}
